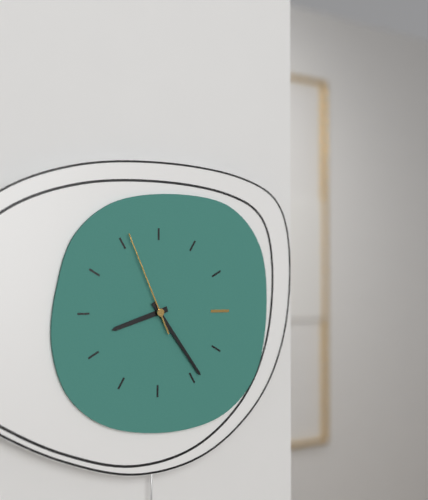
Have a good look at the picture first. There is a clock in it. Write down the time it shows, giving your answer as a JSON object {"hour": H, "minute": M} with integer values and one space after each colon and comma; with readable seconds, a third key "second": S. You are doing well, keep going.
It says {"hour": 8, "minute": 24, "second": 56}
